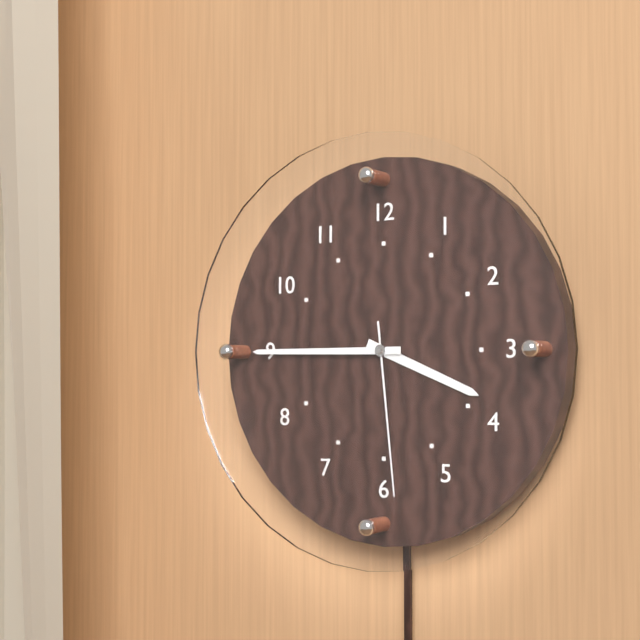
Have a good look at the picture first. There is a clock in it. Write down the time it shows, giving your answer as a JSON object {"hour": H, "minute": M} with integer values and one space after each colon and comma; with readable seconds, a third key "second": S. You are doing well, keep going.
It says {"hour": 3, "minute": 45, "second": 29}
